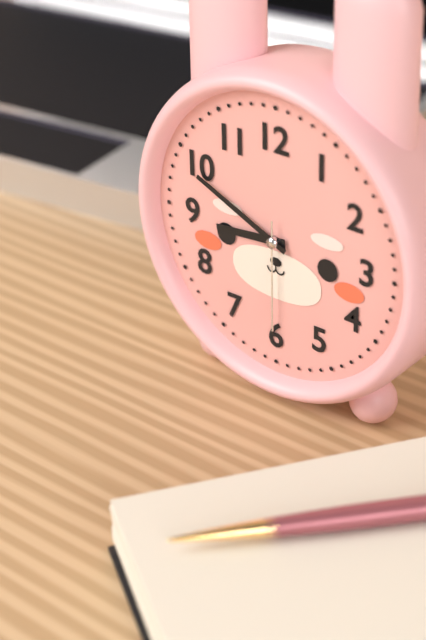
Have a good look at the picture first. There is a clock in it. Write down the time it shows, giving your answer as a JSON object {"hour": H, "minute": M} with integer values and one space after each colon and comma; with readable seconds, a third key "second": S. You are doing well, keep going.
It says {"hour": 8, "minute": 49, "second": 30}
